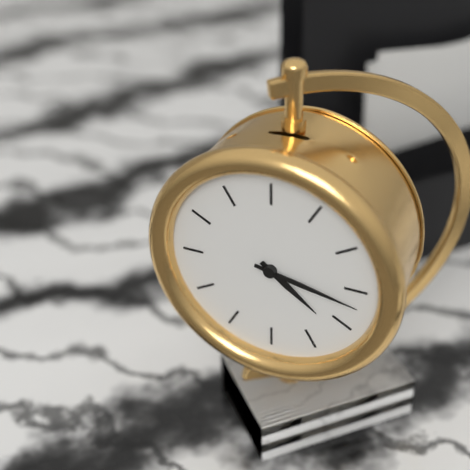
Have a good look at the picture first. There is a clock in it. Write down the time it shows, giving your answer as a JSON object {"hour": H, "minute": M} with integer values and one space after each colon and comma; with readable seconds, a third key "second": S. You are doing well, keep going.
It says {"hour": 4, "minute": 17}
